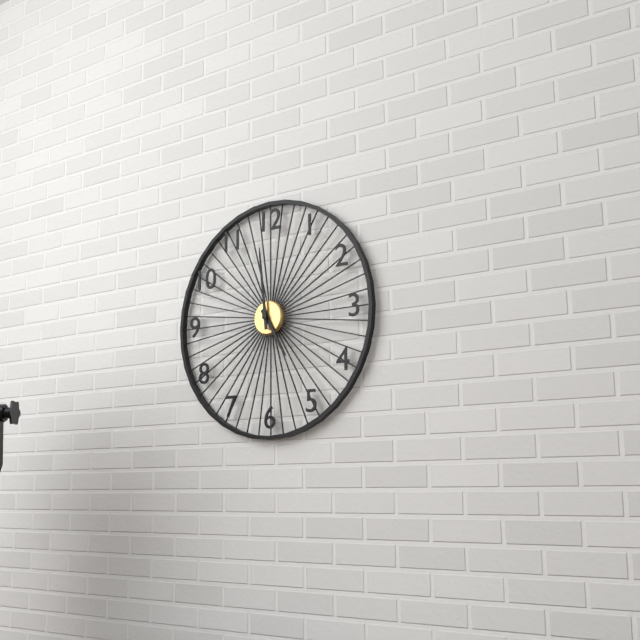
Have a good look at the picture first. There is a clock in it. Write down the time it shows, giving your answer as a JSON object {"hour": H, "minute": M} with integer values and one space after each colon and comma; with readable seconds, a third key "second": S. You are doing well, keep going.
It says {"hour": 4, "minute": 59}
